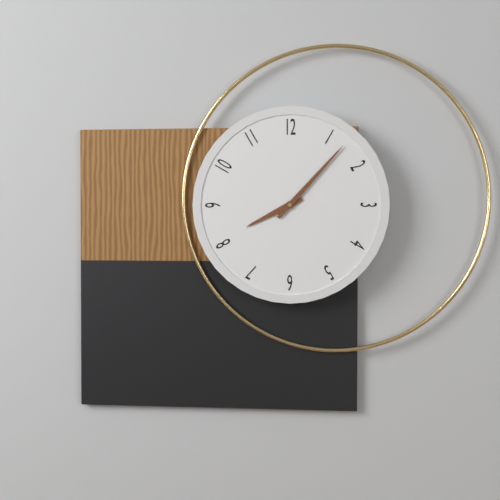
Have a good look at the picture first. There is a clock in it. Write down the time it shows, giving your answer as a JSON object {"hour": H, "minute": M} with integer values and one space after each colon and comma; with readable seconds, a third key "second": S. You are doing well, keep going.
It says {"hour": 8, "minute": 7}
